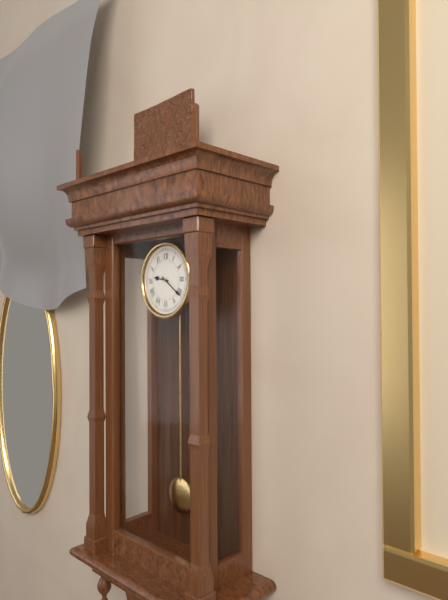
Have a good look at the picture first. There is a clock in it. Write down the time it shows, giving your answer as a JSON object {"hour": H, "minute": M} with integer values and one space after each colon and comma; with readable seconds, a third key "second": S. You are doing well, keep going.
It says {"hour": 9, "minute": 21}
